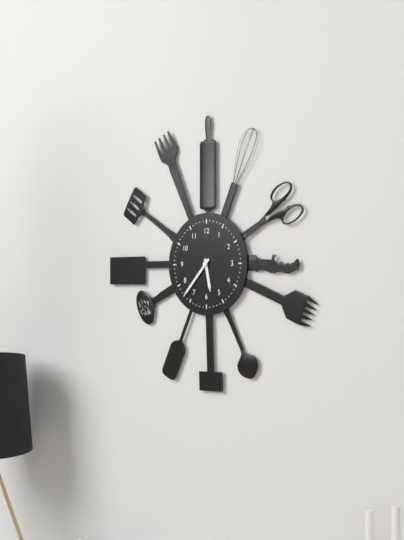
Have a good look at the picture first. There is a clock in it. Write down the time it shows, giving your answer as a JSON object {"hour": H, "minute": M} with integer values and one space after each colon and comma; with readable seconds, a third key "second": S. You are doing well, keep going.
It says {"hour": 5, "minute": 37}
